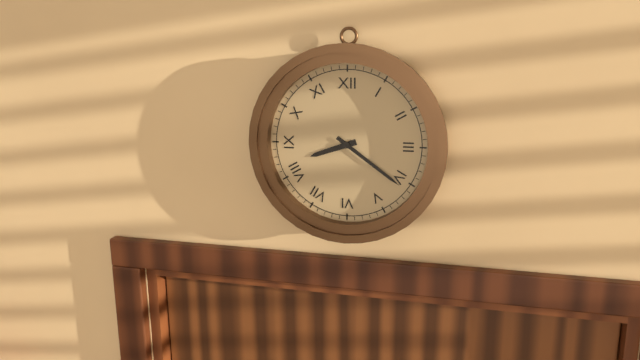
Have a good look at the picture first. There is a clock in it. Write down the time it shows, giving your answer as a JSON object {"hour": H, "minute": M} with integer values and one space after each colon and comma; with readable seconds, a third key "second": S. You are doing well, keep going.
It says {"hour": 8, "minute": 21}
